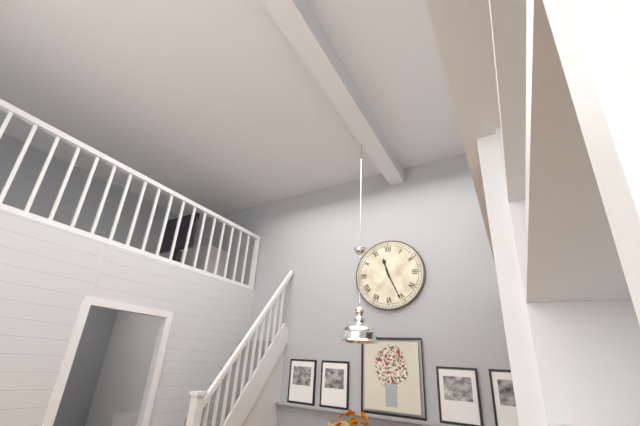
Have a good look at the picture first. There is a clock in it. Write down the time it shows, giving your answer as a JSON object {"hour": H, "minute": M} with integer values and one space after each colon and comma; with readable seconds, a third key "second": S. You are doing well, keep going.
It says {"hour": 11, "minute": 26}
